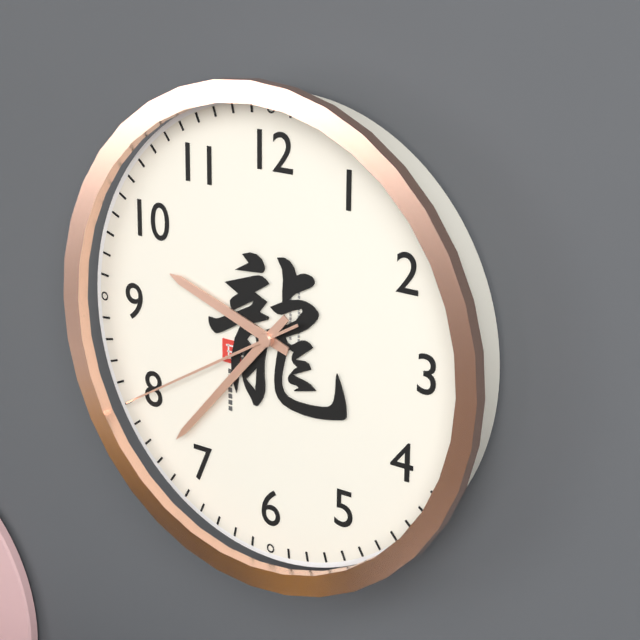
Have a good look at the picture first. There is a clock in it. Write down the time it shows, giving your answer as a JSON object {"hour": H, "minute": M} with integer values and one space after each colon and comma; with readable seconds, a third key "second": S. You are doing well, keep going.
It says {"hour": 9, "minute": 37, "second": 40}
